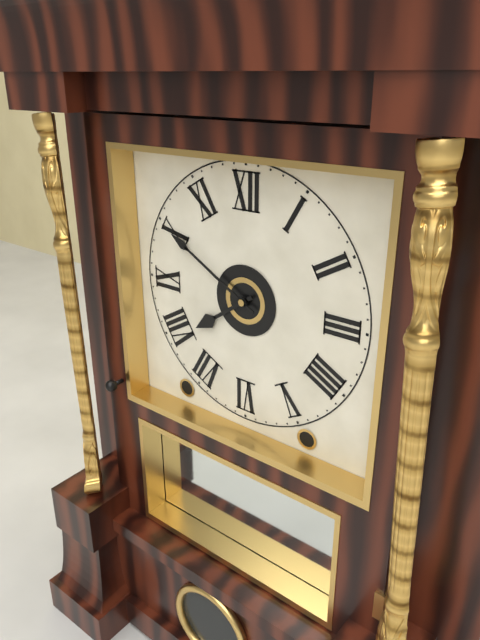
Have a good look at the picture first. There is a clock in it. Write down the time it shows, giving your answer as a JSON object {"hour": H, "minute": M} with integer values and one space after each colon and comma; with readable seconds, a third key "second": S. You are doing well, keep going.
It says {"hour": 7, "minute": 50}
